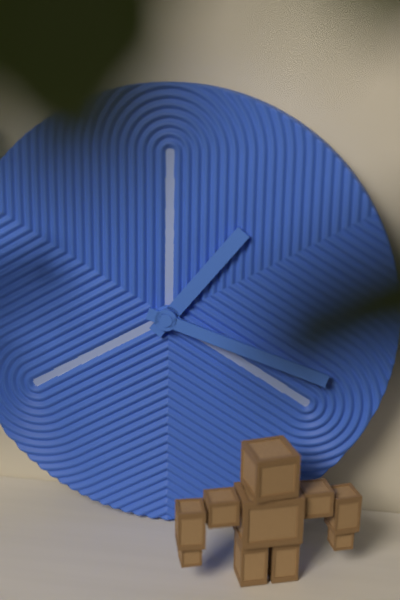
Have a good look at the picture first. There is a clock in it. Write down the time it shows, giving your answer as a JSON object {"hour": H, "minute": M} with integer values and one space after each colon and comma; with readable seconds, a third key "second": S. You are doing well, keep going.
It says {"hour": 1, "minute": 18}
